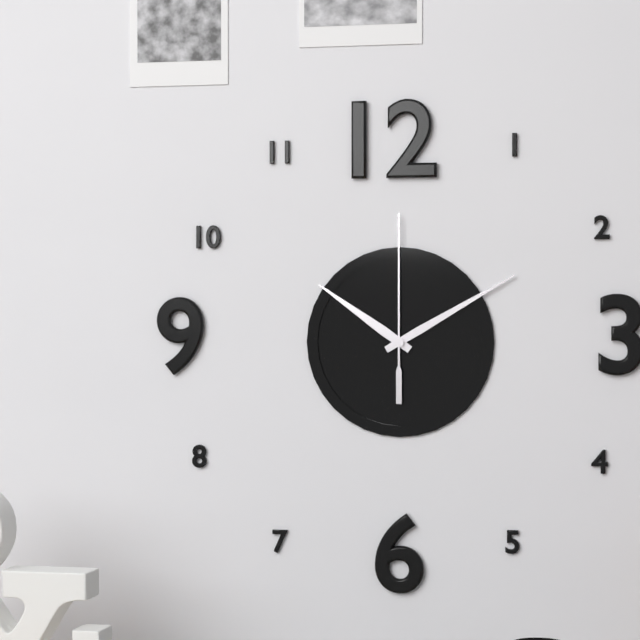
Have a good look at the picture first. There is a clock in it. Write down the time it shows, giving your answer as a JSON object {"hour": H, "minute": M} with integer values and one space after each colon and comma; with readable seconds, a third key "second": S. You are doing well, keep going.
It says {"hour": 10, "minute": 10, "second": 0}
